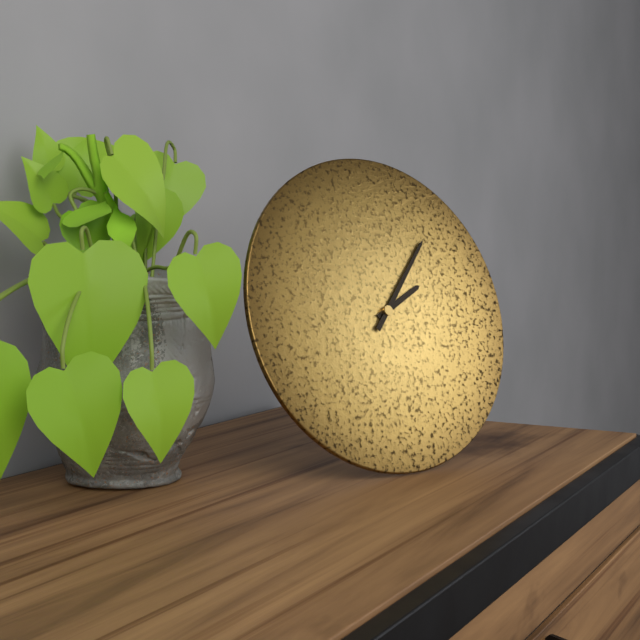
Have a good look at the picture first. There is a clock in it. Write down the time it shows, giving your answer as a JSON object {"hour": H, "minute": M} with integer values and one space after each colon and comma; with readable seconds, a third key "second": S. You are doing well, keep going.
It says {"hour": 2, "minute": 7}
